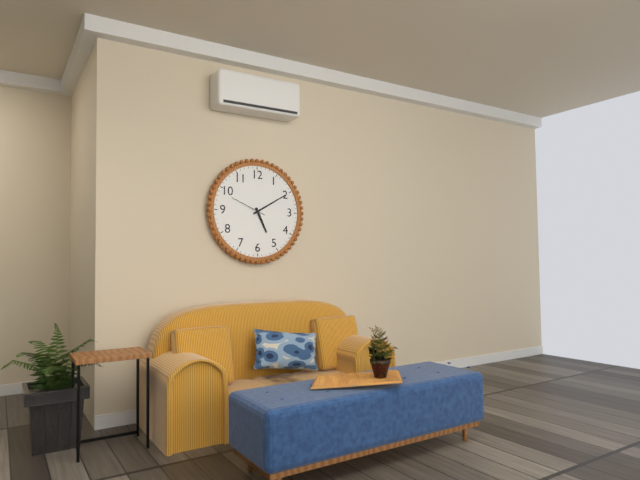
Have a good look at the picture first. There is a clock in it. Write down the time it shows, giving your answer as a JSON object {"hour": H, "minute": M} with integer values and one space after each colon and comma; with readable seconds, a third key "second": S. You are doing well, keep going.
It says {"hour": 5, "minute": 10}
